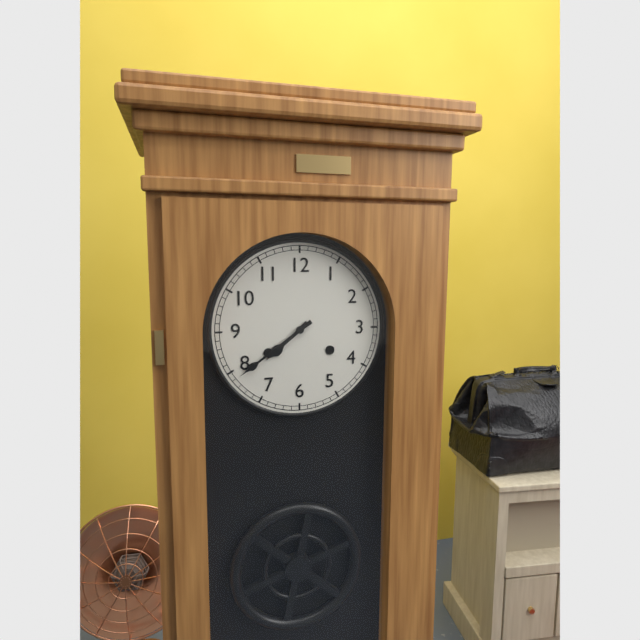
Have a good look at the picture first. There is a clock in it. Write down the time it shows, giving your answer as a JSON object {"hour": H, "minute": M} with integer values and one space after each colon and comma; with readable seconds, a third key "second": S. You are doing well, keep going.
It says {"hour": 7, "minute": 39}
